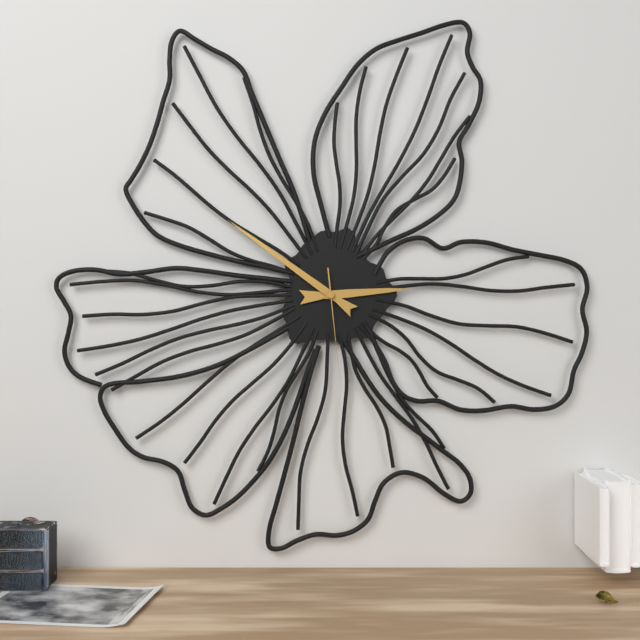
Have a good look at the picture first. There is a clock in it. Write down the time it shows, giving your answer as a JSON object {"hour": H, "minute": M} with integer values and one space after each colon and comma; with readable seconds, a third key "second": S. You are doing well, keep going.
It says {"hour": 2, "minute": 51, "second": 29}
